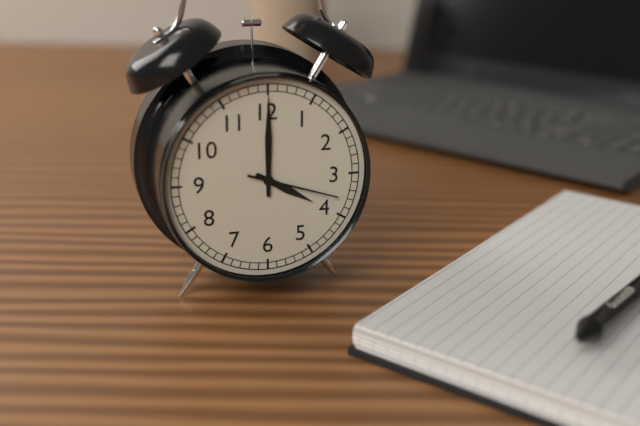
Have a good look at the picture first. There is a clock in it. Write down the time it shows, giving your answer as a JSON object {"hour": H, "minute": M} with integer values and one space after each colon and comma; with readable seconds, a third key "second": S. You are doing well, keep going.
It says {"hour": 4, "minute": 0, "second": 18}
